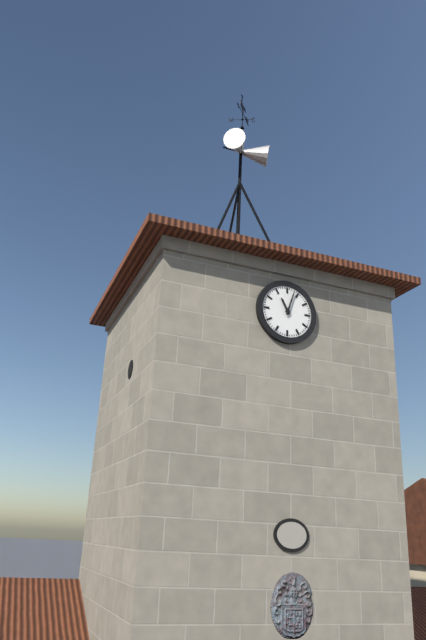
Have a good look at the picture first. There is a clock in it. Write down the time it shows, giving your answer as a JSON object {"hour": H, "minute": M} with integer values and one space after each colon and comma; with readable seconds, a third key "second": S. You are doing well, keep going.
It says {"hour": 11, "minute": 3}
